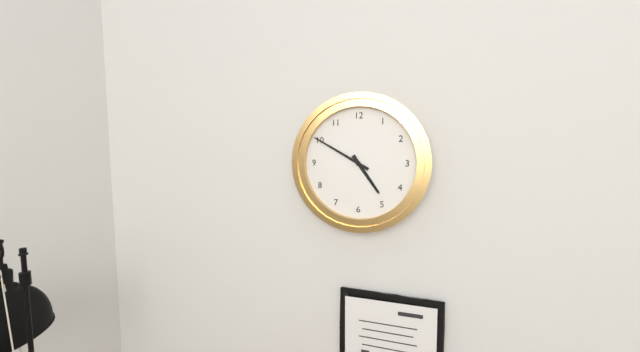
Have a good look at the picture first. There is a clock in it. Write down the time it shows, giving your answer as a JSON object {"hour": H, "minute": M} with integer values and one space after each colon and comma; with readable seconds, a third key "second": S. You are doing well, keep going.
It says {"hour": 4, "minute": 50}
